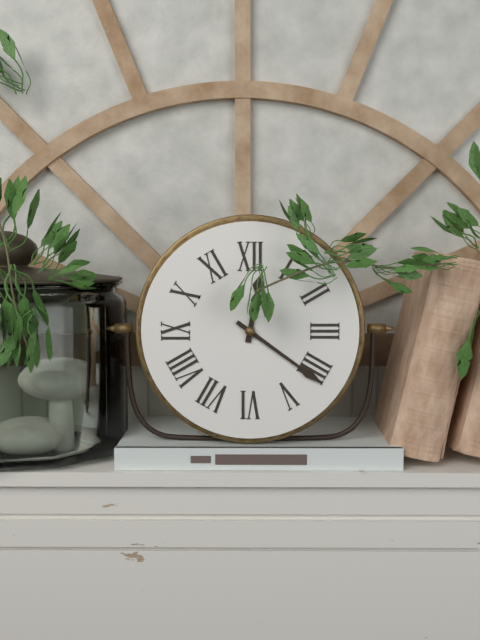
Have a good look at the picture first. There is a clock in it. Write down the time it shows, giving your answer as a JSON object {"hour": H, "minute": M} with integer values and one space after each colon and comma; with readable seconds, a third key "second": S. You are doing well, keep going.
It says {"hour": 12, "minute": 21}
